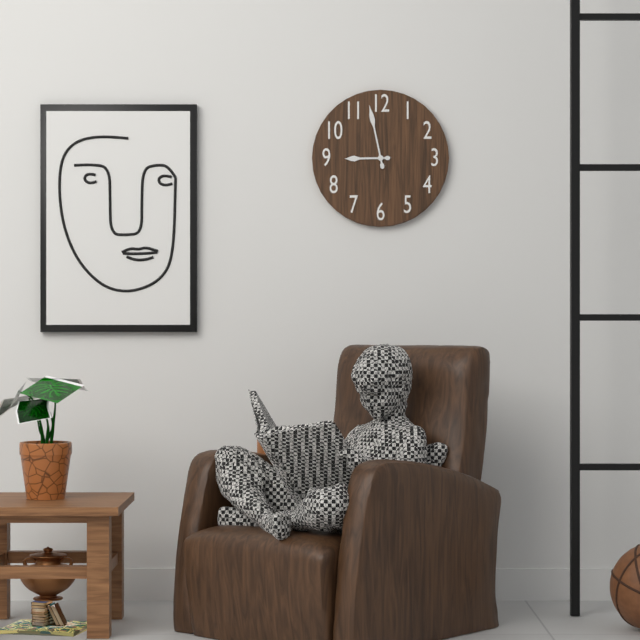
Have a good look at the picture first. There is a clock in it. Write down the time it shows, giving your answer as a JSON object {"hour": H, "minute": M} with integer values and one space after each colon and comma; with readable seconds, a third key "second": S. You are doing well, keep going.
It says {"hour": 8, "minute": 58}
